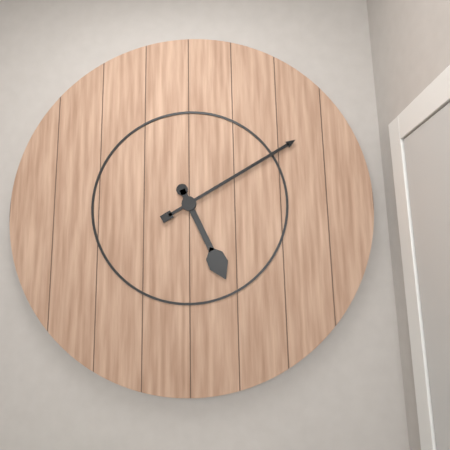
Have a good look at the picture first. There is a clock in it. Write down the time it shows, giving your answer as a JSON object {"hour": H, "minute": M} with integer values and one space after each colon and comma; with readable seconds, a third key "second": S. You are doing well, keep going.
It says {"hour": 5, "minute": 10}
